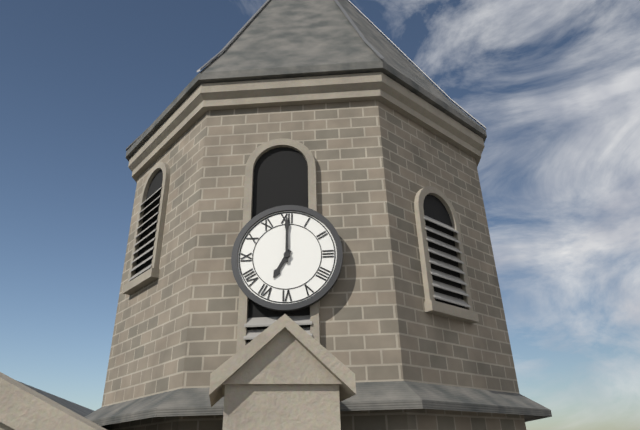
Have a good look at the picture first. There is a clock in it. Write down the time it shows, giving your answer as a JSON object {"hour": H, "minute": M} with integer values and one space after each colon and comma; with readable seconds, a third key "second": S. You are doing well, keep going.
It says {"hour": 7, "minute": 0}
